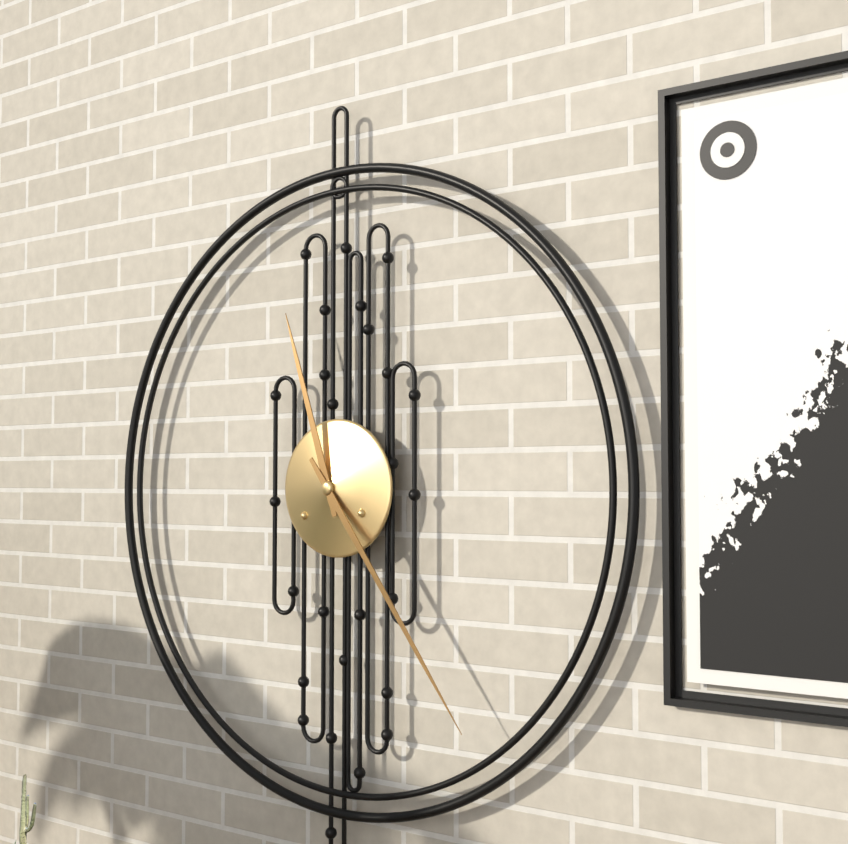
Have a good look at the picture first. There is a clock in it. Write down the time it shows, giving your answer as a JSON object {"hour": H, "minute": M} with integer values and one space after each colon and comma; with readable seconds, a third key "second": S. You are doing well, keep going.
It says {"hour": 11, "minute": 24}
